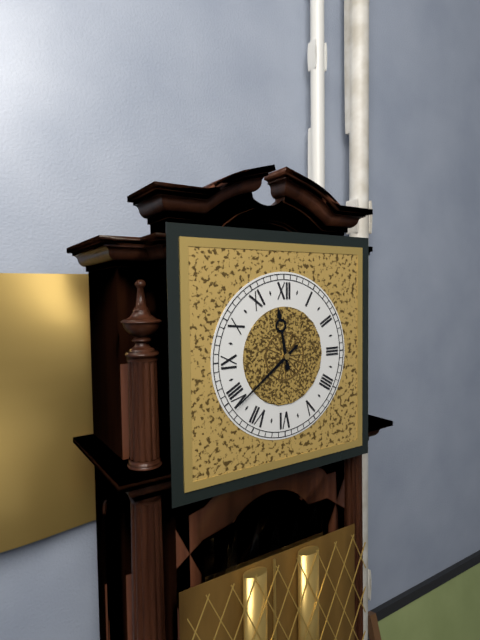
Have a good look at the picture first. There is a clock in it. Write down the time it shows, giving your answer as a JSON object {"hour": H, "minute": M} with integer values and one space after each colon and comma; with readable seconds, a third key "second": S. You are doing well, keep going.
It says {"hour": 11, "minute": 39}
